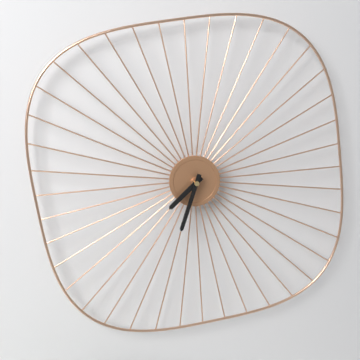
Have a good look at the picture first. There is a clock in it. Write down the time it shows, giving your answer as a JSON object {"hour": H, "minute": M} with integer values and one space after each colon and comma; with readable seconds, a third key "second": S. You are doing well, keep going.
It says {"hour": 7, "minute": 33}
